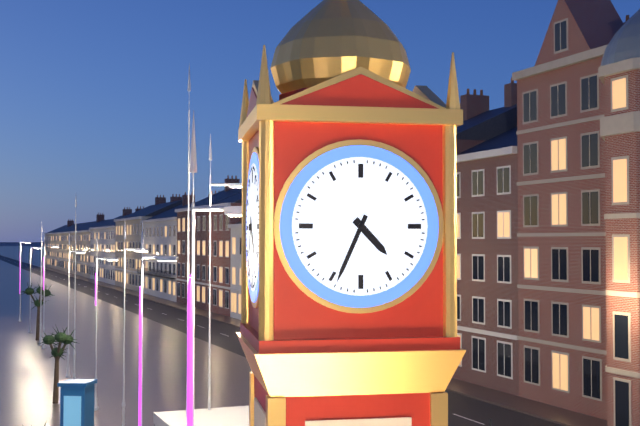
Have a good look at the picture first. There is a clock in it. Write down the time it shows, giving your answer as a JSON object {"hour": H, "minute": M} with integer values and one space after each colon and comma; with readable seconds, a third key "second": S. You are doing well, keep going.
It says {"hour": 4, "minute": 34}
